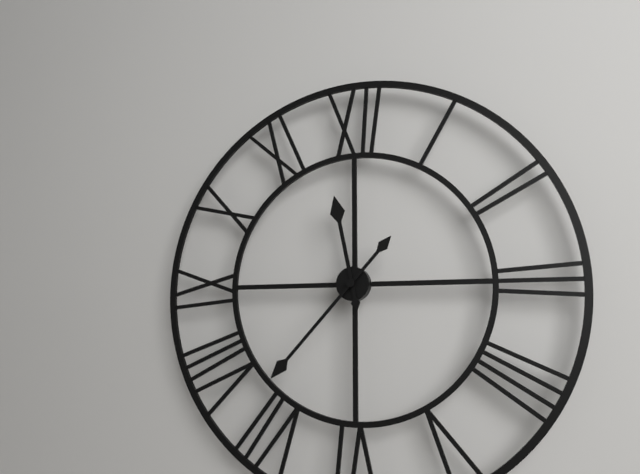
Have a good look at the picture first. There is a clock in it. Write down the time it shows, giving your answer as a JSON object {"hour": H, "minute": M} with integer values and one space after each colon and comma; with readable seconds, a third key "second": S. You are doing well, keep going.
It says {"hour": 11, "minute": 37}
